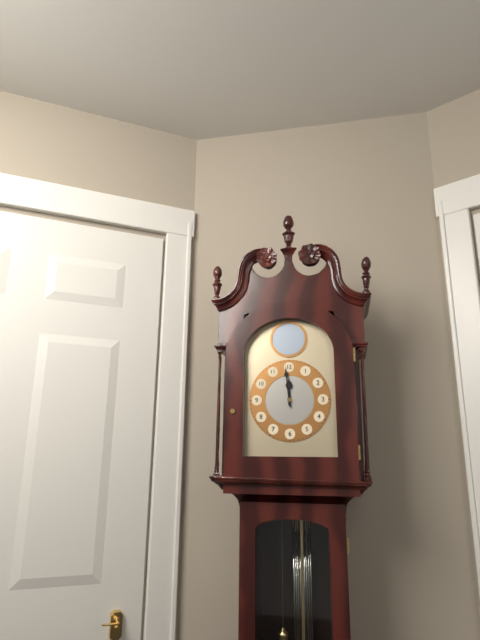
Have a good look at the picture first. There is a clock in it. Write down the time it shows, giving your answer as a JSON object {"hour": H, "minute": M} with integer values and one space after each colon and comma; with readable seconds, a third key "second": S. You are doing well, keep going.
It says {"hour": 11, "minute": 59}
